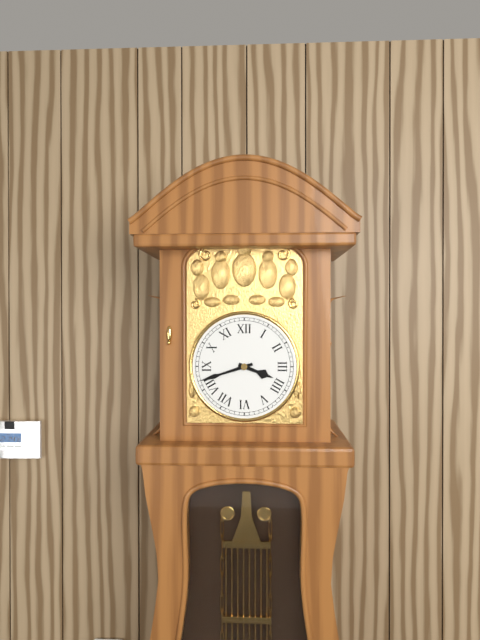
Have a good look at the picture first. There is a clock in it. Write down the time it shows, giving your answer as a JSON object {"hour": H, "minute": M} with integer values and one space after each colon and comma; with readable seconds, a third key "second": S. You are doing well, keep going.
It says {"hour": 3, "minute": 42}
